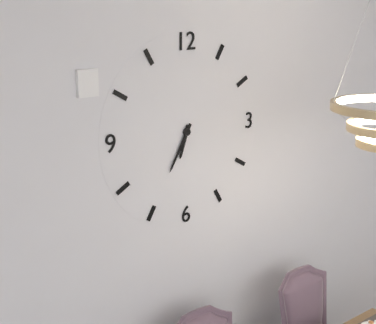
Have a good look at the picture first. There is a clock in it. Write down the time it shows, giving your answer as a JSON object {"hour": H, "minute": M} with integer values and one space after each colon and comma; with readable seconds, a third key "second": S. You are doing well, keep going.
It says {"hour": 6, "minute": 35}
